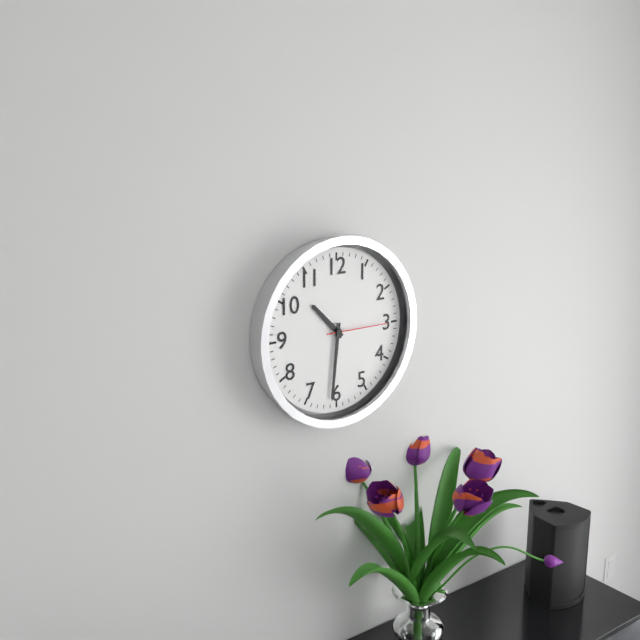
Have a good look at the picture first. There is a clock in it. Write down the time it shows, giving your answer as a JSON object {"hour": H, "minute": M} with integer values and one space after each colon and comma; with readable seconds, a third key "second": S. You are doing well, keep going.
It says {"hour": 10, "minute": 31, "second": 15}
